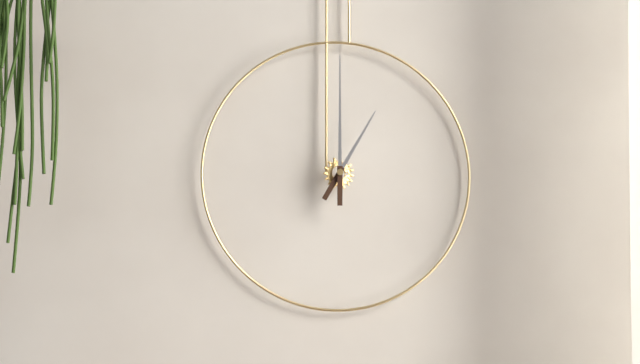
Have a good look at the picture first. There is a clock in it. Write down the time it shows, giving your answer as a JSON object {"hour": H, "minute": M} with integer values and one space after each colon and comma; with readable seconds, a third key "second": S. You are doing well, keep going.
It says {"hour": 1, "minute": 0}
